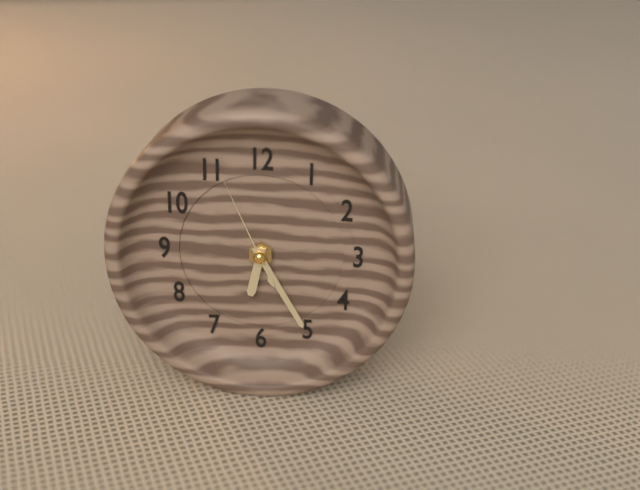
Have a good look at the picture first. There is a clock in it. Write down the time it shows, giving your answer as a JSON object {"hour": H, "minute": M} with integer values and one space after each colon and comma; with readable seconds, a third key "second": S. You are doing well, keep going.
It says {"hour": 6, "minute": 25, "second": 56}
